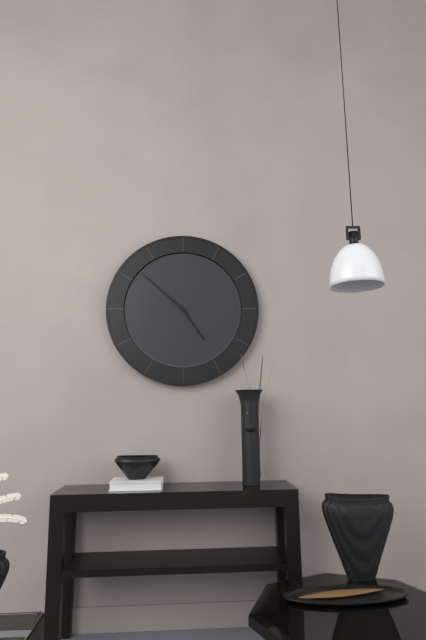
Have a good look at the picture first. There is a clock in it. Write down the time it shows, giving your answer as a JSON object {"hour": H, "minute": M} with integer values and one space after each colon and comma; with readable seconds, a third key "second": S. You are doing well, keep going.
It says {"hour": 4, "minute": 52}
